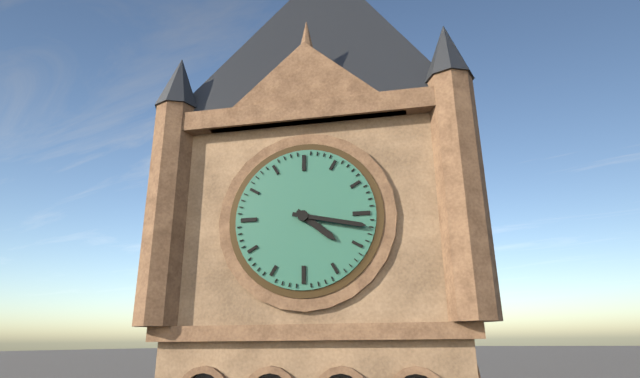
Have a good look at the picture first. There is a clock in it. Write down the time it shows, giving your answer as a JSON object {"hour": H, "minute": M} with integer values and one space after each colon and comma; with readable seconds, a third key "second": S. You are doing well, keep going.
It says {"hour": 4, "minute": 17}
